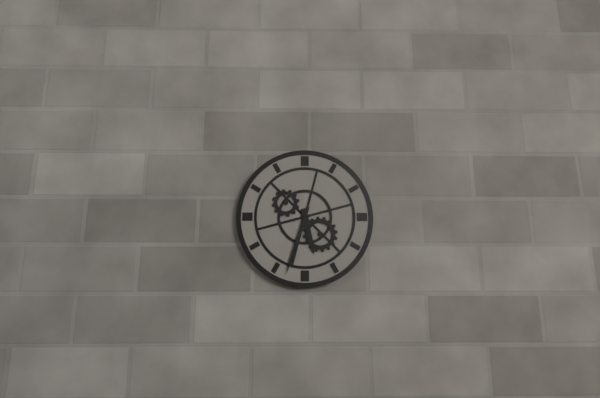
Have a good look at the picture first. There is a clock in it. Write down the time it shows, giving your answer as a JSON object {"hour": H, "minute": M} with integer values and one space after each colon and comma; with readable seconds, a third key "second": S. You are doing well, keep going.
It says {"hour": 5, "minute": 33}
